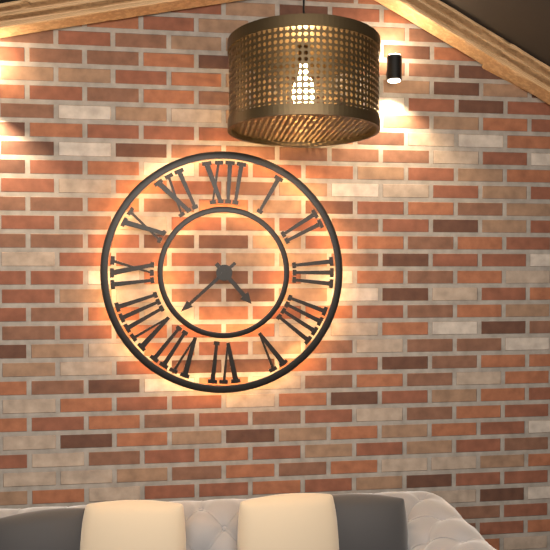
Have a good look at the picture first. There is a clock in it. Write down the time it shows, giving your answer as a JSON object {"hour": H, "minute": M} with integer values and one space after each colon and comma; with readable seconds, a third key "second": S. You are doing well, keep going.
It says {"hour": 4, "minute": 38}
